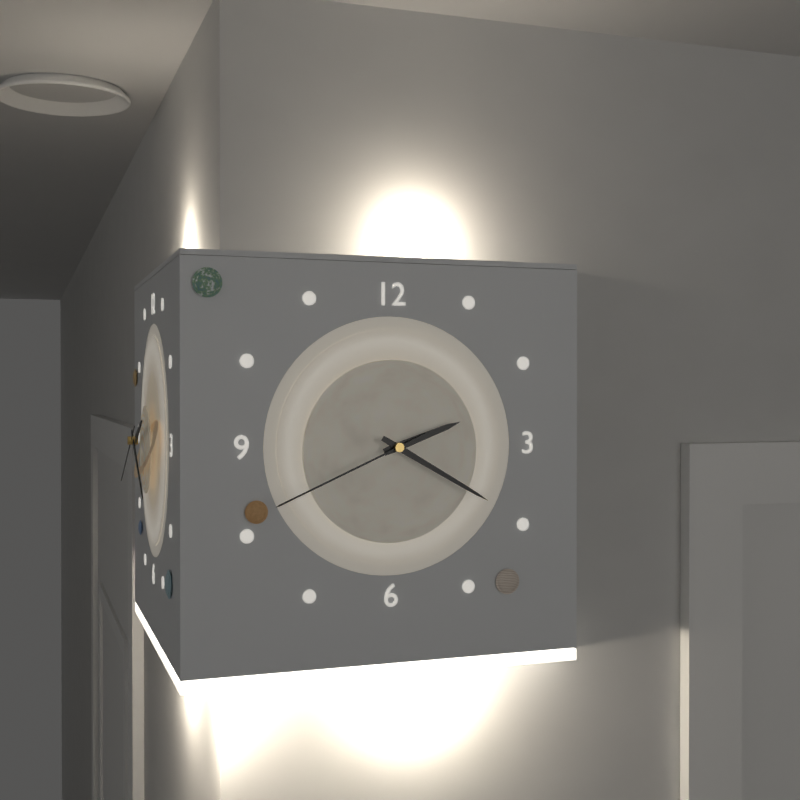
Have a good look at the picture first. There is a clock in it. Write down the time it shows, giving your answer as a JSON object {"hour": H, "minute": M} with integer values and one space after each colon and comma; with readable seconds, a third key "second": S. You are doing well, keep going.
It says {"hour": 2, "minute": 20, "second": 41}
